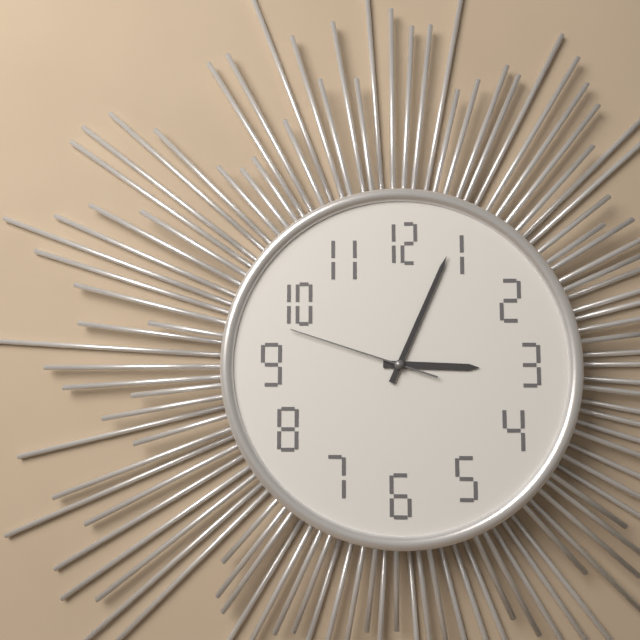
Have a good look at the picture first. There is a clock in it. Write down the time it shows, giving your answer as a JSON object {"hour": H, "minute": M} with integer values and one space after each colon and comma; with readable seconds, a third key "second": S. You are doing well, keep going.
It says {"hour": 3, "minute": 4, "second": 48}
